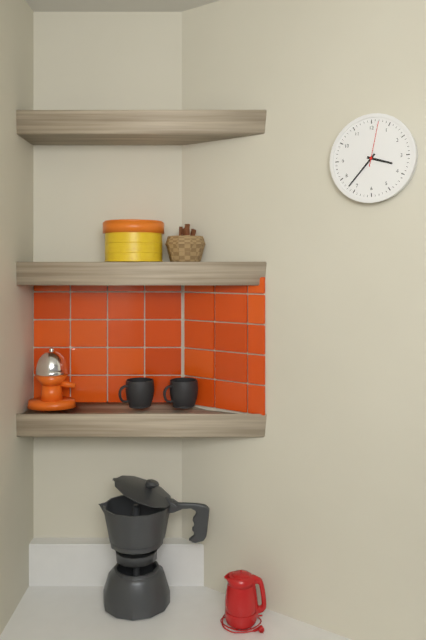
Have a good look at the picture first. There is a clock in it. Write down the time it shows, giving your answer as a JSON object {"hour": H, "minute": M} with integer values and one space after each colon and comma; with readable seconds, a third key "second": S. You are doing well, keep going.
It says {"hour": 3, "minute": 37}
